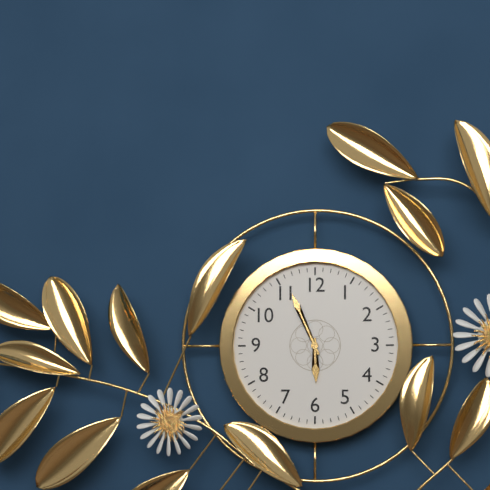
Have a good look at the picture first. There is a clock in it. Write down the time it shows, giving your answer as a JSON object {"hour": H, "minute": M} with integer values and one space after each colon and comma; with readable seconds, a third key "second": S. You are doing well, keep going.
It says {"hour": 5, "minute": 56}
